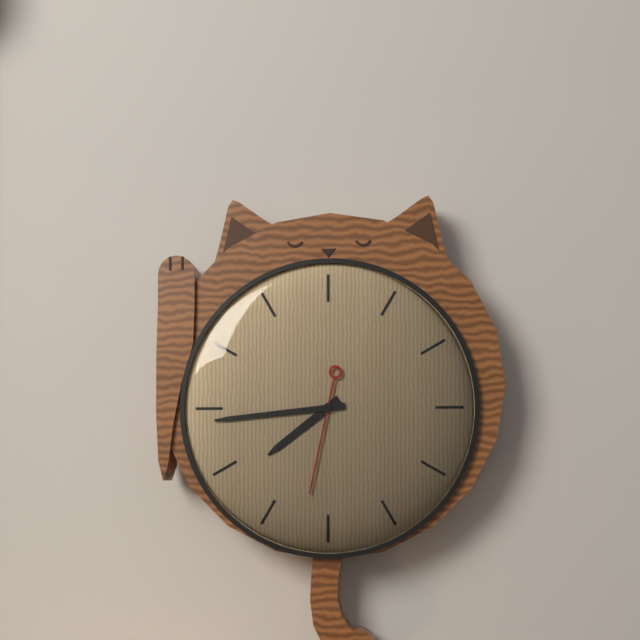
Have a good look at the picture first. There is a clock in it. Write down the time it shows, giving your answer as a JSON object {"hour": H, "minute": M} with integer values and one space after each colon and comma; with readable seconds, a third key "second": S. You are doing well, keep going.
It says {"hour": 7, "minute": 44, "second": 32}
